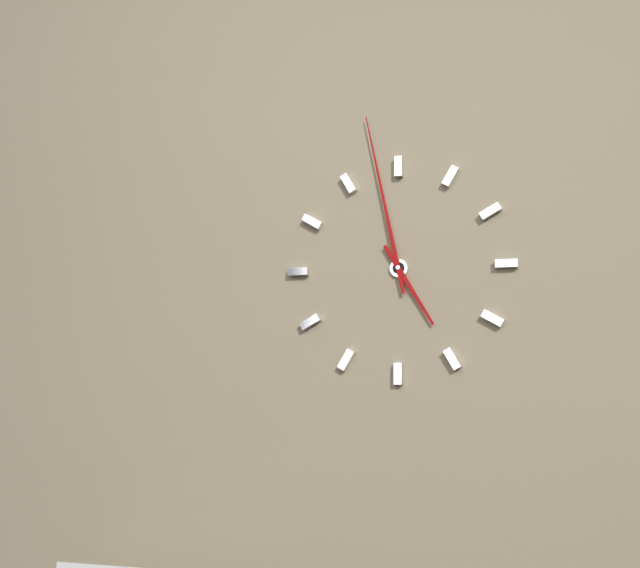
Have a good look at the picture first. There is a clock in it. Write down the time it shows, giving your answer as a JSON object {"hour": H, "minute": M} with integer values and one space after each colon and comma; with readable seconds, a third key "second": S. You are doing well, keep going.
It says {"hour": 4, "minute": 58}
